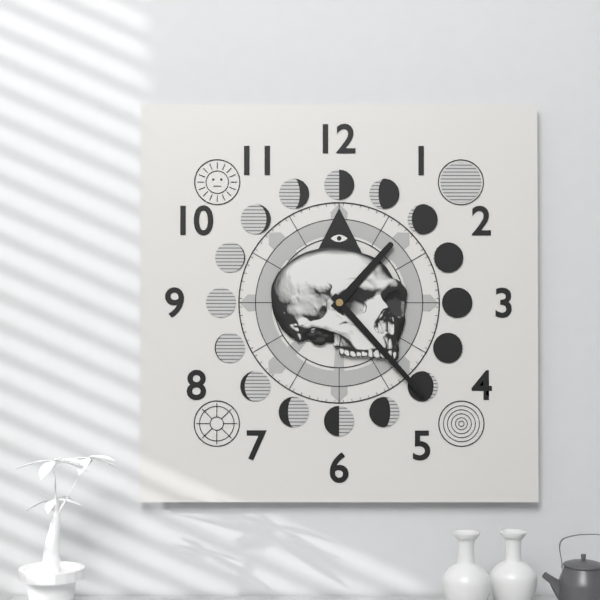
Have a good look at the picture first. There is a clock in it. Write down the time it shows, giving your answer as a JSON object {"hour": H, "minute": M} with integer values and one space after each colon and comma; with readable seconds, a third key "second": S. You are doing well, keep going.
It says {"hour": 1, "minute": 23}
